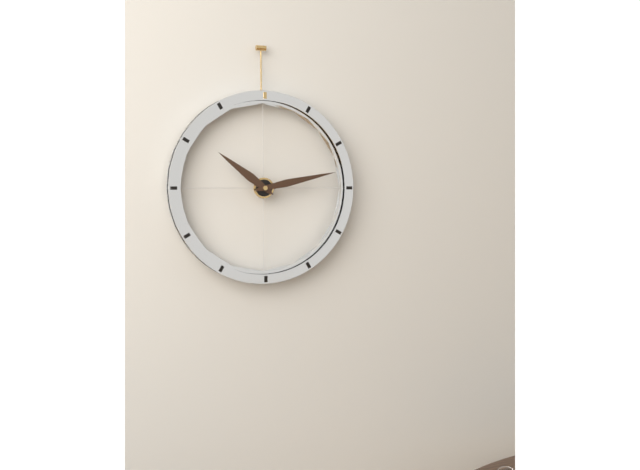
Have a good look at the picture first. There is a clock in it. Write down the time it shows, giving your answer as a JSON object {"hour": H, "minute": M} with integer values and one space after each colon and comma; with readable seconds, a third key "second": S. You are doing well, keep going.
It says {"hour": 10, "minute": 13}
